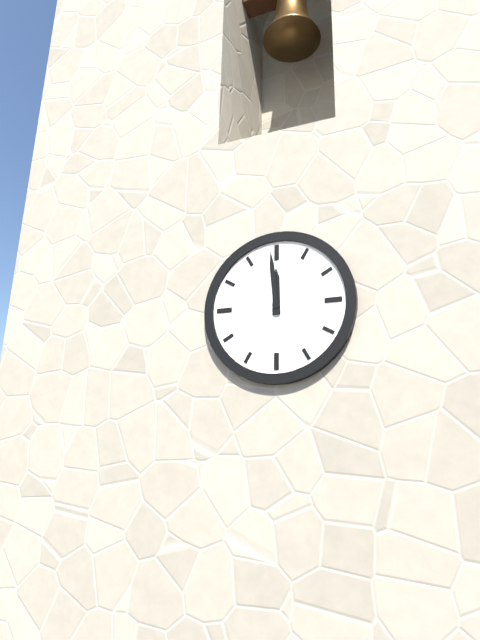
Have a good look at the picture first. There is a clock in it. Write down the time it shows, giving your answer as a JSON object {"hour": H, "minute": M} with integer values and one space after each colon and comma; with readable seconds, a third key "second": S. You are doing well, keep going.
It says {"hour": 11, "minute": 59}
